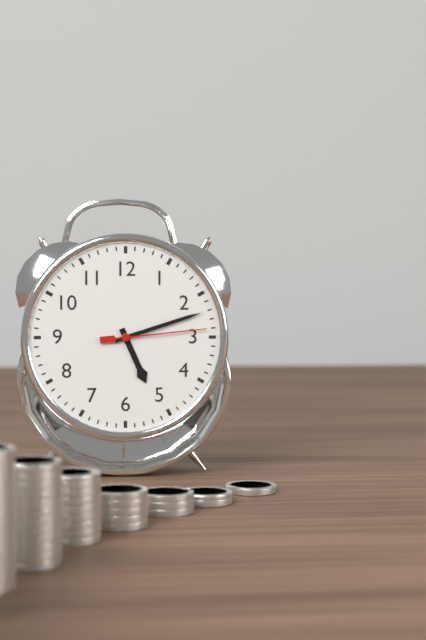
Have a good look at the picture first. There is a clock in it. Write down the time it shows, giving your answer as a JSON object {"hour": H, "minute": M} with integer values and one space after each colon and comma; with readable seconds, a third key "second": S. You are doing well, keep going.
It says {"hour": 5, "minute": 12, "second": 14}
